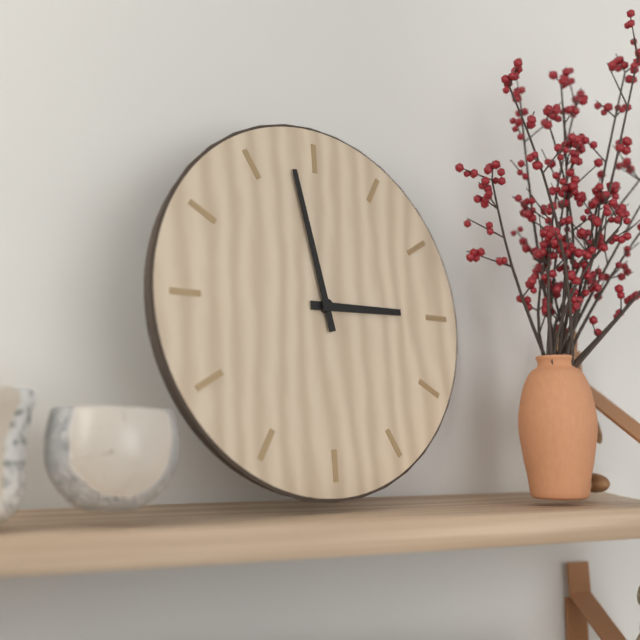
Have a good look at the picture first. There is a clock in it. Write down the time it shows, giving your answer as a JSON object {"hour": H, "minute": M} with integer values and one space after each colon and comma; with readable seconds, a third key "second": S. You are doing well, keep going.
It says {"hour": 2, "minute": 58}
